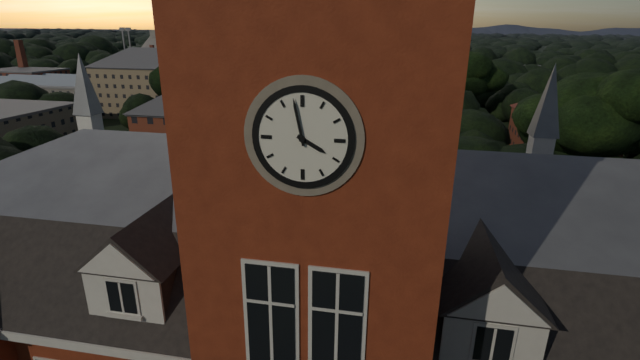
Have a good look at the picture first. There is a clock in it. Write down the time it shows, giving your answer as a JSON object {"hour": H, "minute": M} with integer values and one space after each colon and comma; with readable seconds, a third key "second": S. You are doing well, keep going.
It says {"hour": 3, "minute": 58}
